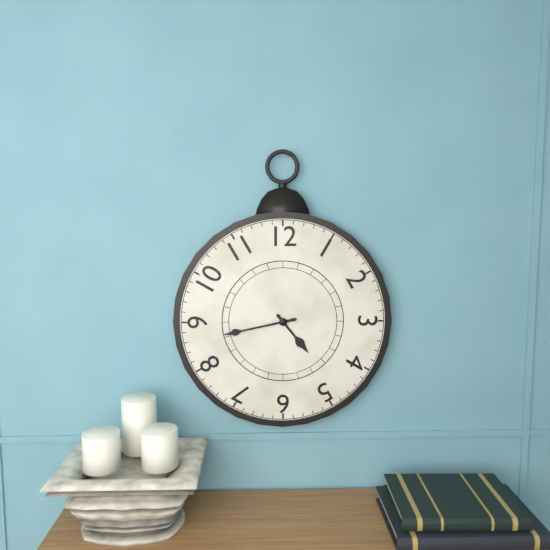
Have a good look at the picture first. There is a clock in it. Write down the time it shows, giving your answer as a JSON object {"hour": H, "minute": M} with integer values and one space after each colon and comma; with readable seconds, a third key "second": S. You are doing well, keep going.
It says {"hour": 4, "minute": 43}
